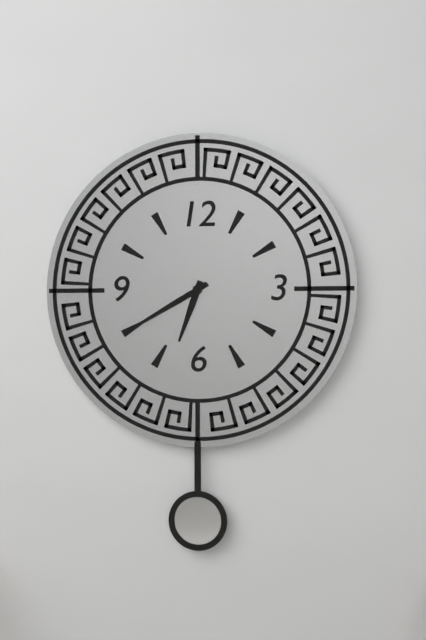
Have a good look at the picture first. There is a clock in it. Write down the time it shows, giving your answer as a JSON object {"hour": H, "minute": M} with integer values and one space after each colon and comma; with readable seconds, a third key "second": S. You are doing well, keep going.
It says {"hour": 6, "minute": 40}
